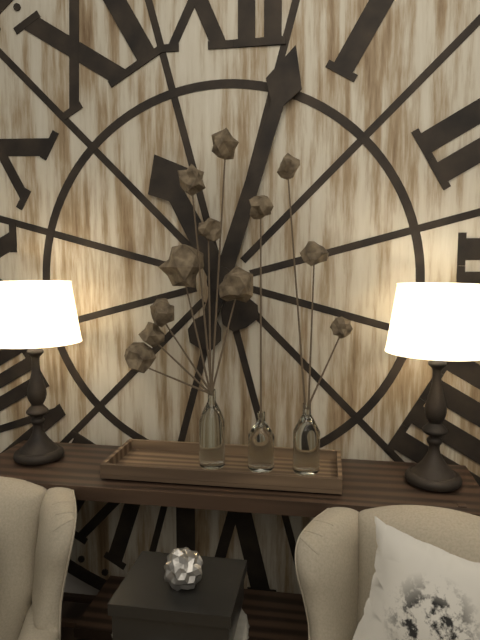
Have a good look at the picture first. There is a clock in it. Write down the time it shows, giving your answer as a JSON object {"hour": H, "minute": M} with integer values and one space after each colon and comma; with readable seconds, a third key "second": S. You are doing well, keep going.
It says {"hour": 11, "minute": 3}
